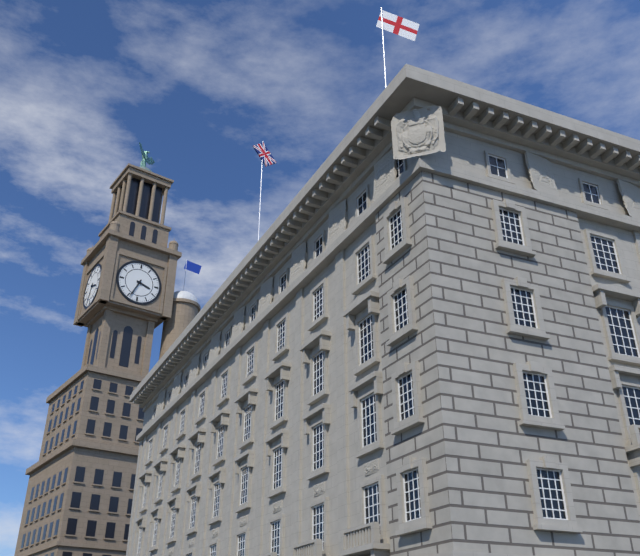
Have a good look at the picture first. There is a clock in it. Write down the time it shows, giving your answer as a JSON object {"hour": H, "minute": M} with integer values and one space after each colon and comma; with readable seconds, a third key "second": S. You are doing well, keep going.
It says {"hour": 3, "minute": 34}
